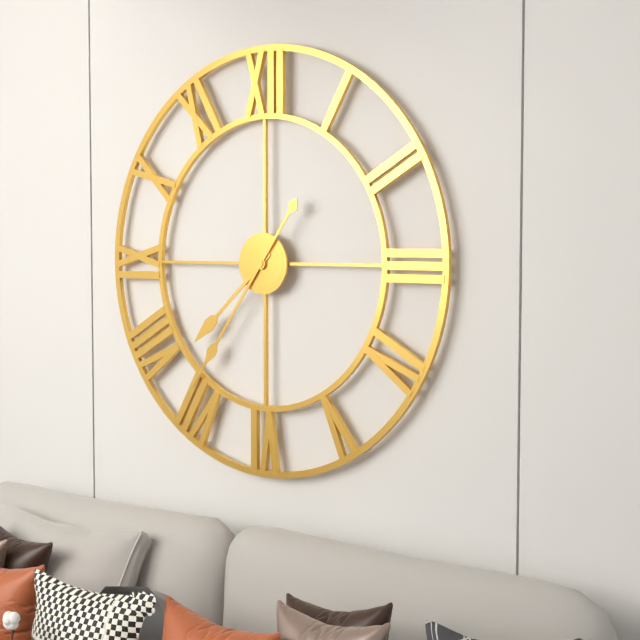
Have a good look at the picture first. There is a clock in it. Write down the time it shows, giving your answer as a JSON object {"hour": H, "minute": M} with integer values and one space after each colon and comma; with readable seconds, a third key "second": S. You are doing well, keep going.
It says {"hour": 7, "minute": 36}
